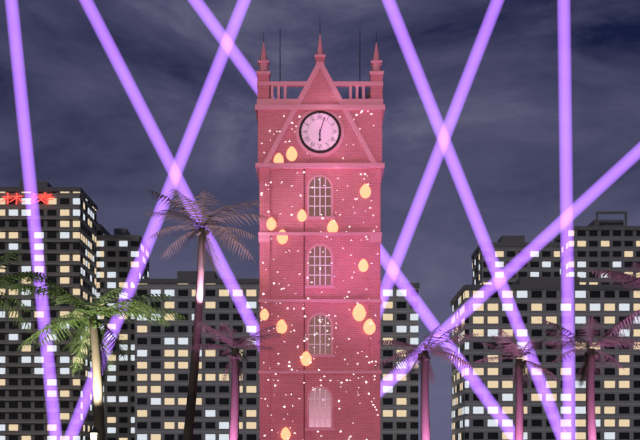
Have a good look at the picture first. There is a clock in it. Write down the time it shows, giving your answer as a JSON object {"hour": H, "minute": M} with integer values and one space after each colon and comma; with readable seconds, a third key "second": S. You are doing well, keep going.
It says {"hour": 6, "minute": 3}
